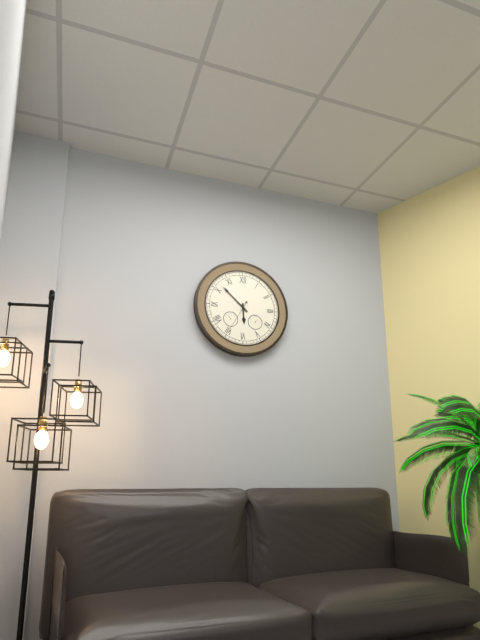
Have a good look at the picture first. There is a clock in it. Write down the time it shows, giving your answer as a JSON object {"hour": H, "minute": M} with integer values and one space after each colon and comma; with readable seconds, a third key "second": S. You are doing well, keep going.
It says {"hour": 5, "minute": 52}
